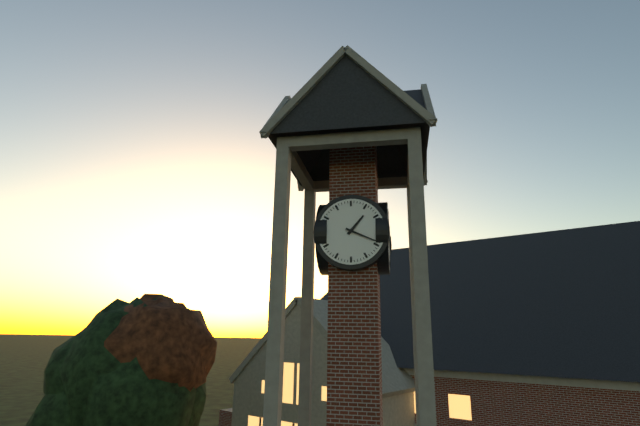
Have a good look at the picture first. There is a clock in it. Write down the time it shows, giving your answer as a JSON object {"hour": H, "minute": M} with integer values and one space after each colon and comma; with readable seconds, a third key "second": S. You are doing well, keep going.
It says {"hour": 1, "minute": 19}
